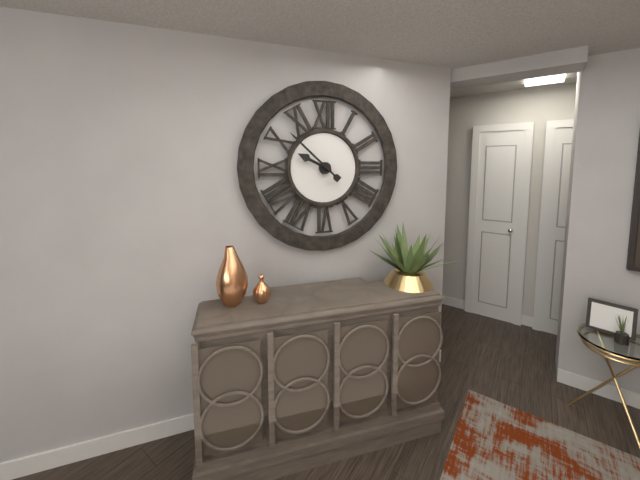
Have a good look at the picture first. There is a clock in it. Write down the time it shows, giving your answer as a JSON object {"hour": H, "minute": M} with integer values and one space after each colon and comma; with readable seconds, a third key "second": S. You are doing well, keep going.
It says {"hour": 9, "minute": 52}
